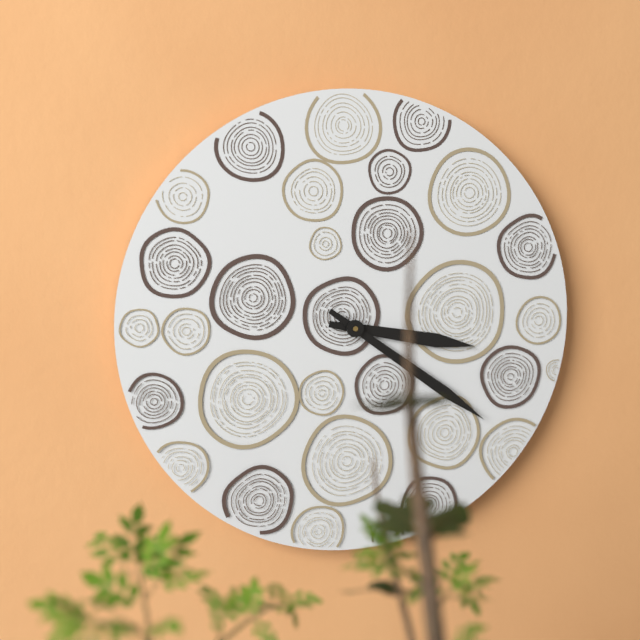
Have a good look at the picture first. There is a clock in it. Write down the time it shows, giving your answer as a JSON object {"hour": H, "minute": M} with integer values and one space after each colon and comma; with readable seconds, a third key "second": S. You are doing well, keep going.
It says {"hour": 3, "minute": 21}
